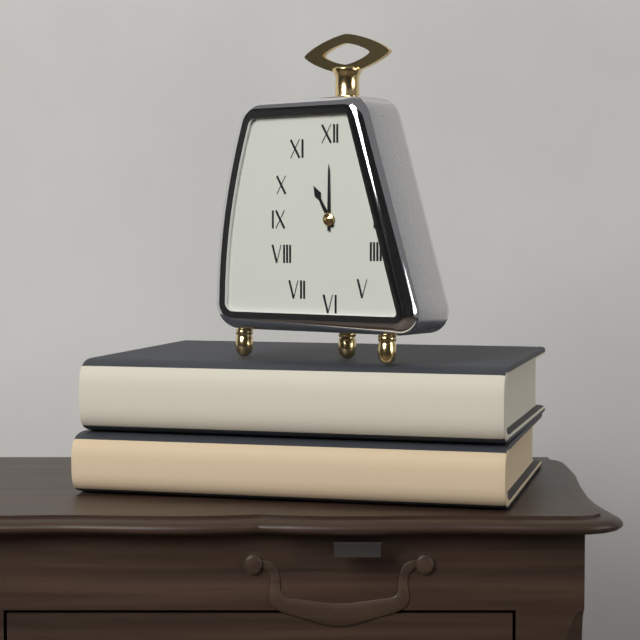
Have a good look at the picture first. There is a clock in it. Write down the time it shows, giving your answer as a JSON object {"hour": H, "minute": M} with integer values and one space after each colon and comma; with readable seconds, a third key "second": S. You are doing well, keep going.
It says {"hour": 11, "minute": 0}
